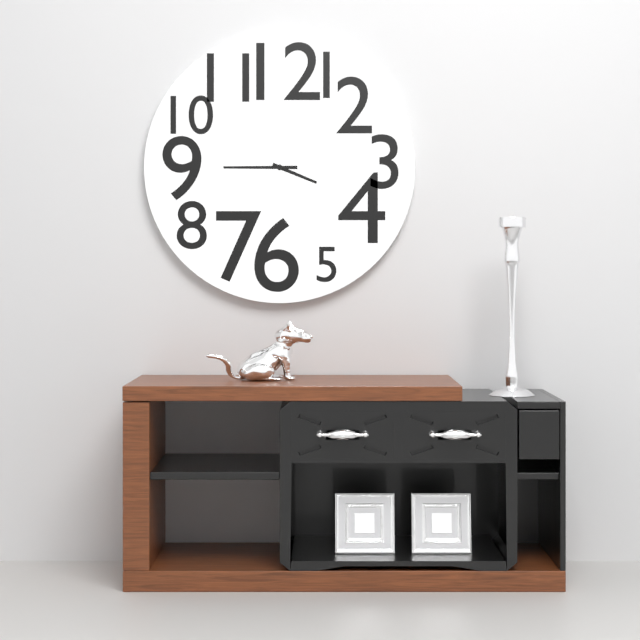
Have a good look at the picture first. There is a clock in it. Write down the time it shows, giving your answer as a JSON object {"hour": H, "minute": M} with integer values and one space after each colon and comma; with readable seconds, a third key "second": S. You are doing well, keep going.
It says {"hour": 3, "minute": 45}
